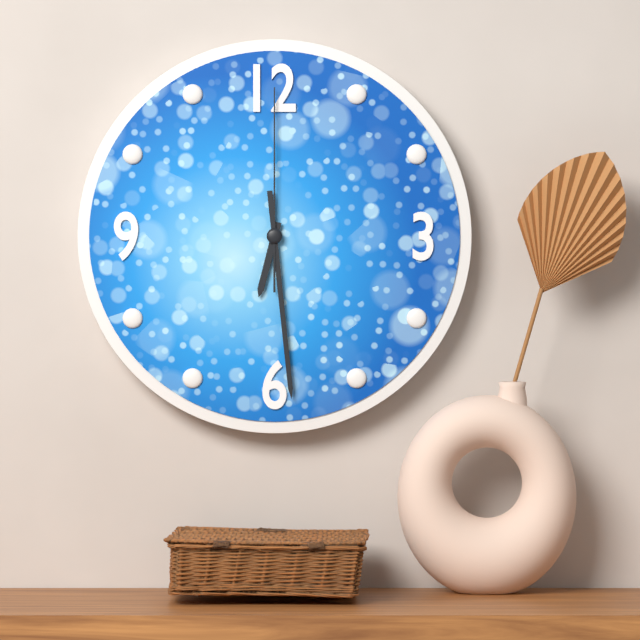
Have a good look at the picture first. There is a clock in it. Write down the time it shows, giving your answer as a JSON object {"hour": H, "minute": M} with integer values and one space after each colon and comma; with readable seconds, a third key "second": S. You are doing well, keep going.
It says {"hour": 6, "minute": 29, "second": 0}
